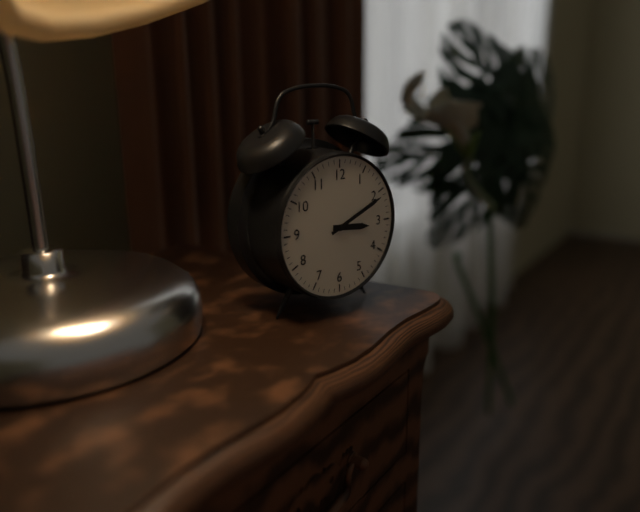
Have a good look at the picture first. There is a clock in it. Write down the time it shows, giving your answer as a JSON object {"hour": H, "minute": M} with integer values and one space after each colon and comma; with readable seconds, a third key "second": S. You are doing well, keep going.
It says {"hour": 3, "minute": 11}
